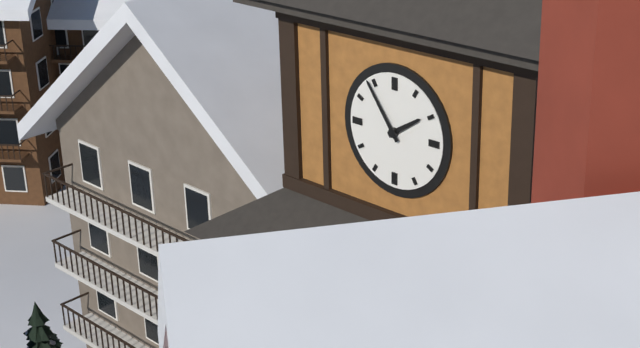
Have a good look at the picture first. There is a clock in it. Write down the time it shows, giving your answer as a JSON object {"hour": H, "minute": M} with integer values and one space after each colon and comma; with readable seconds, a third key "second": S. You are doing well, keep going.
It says {"hour": 1, "minute": 54}
